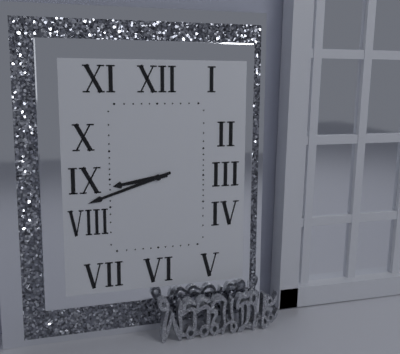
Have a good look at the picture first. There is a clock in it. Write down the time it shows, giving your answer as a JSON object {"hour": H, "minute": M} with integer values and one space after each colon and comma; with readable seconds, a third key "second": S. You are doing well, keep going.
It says {"hour": 8, "minute": 42}
